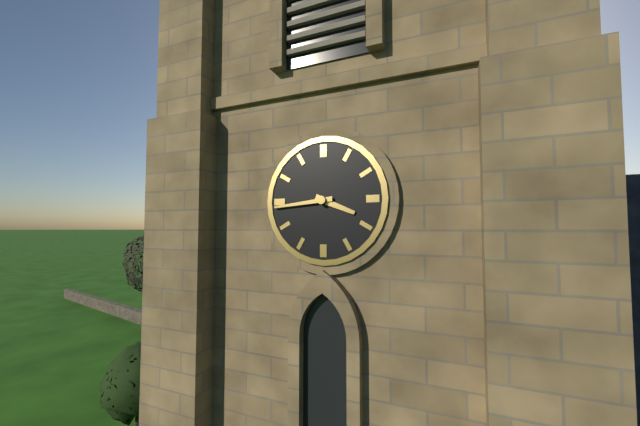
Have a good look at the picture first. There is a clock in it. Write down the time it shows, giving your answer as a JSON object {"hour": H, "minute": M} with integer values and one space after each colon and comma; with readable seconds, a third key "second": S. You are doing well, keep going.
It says {"hour": 3, "minute": 44}
